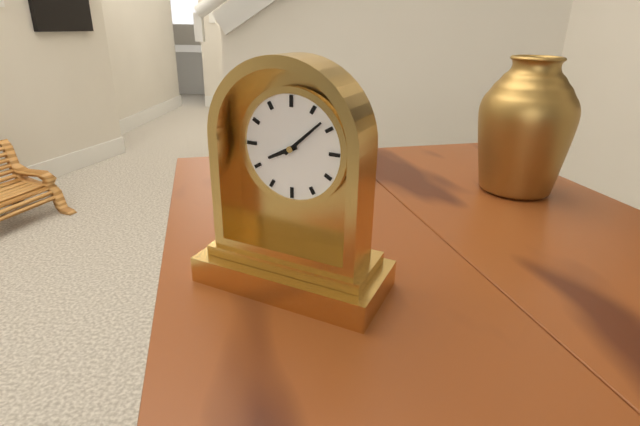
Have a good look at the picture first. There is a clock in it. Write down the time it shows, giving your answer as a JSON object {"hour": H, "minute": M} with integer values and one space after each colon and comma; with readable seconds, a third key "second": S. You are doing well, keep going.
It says {"hour": 8, "minute": 8}
